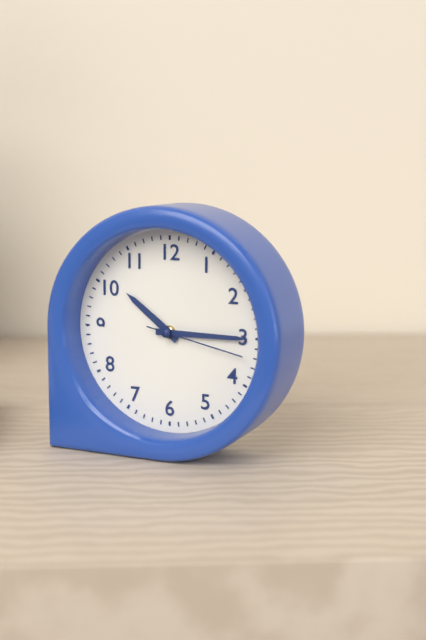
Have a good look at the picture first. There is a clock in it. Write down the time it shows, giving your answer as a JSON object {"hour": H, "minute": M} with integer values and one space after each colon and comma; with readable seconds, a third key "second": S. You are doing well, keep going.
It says {"hour": 10, "minute": 15, "second": 17}
